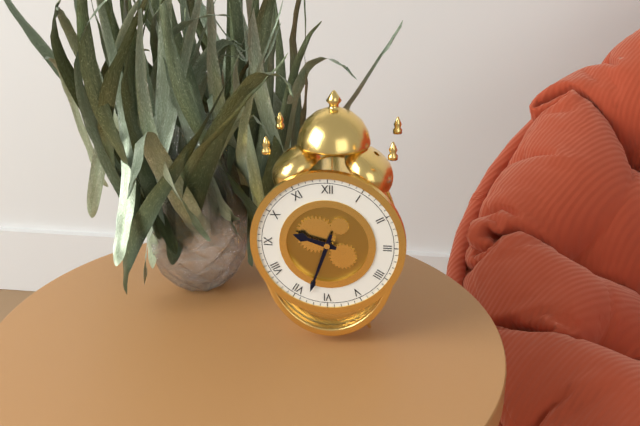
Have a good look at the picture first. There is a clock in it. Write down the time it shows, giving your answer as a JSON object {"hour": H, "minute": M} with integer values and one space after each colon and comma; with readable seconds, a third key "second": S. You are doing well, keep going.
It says {"hour": 9, "minute": 33}
